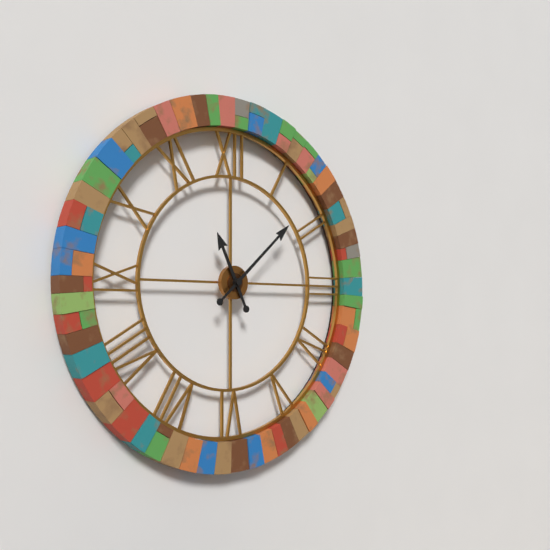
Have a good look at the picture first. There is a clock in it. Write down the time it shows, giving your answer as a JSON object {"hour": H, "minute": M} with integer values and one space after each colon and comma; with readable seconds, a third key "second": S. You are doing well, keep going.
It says {"hour": 11, "minute": 8}
